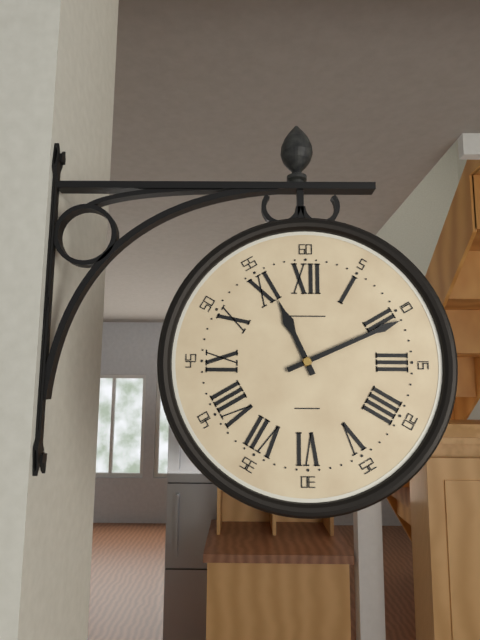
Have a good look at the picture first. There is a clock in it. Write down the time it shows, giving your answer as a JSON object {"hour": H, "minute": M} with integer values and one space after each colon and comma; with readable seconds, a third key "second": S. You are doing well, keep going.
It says {"hour": 11, "minute": 11}
